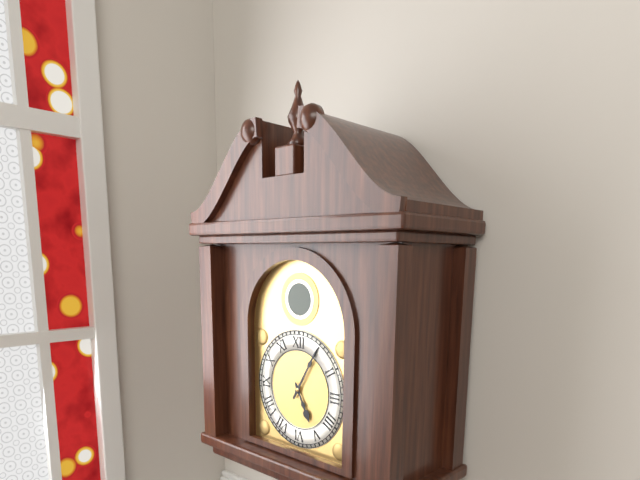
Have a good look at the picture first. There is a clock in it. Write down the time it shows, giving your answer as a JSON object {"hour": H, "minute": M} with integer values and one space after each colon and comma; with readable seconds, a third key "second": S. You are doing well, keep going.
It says {"hour": 5, "minute": 5}
